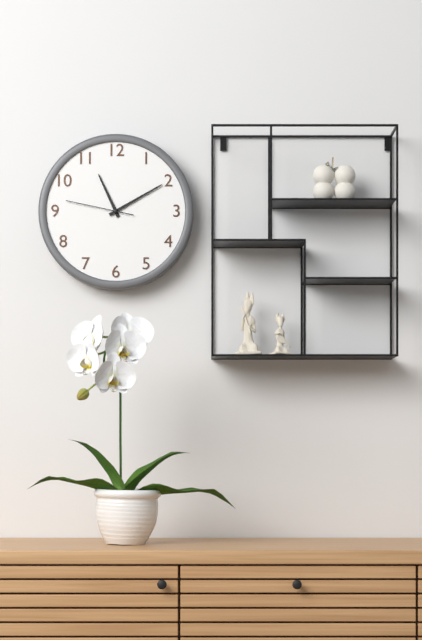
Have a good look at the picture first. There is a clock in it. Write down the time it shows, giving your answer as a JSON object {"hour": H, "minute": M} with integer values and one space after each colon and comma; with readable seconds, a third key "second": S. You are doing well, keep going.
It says {"hour": 11, "minute": 10, "second": 47}
